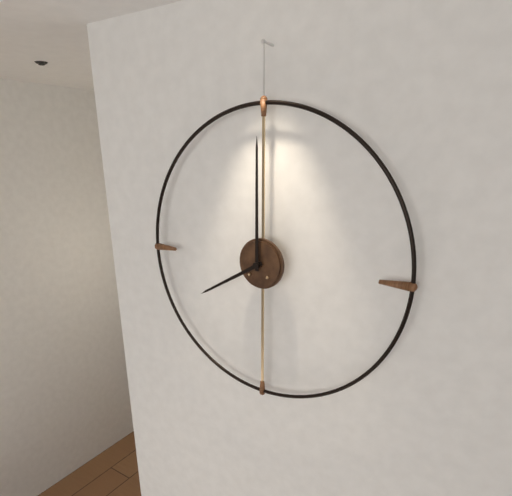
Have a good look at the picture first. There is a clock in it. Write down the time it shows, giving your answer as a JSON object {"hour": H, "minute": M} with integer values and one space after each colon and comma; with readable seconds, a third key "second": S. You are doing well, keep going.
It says {"hour": 8, "minute": 0}
